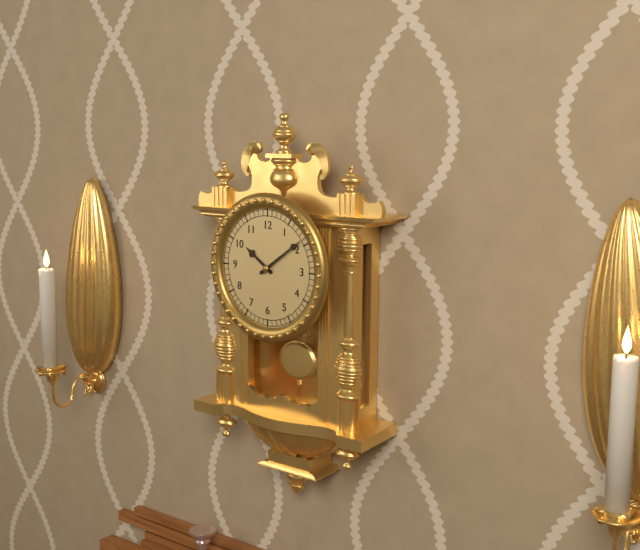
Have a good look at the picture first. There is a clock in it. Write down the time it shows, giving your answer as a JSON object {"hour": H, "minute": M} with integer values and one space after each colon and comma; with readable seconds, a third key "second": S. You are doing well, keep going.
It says {"hour": 10, "minute": 9}
